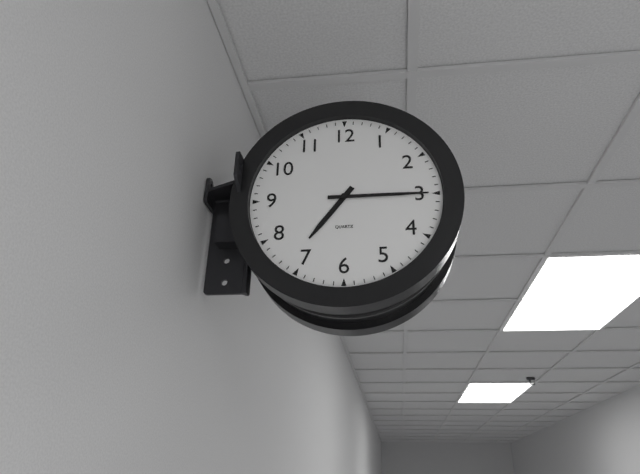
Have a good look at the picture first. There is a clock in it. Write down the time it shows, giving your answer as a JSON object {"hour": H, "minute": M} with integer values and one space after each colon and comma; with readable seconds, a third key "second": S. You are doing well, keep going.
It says {"hour": 7, "minute": 15}
